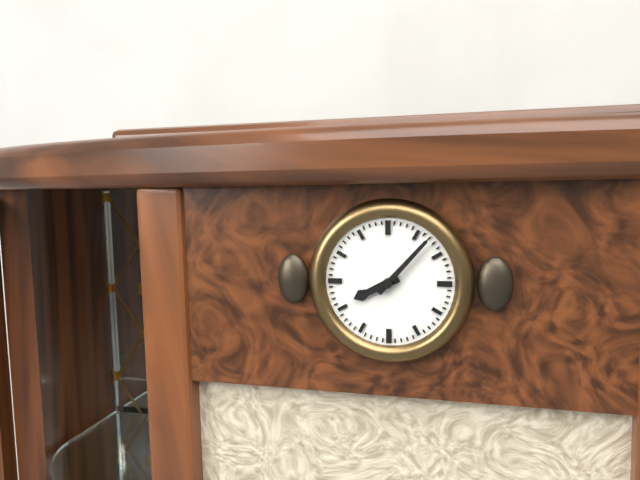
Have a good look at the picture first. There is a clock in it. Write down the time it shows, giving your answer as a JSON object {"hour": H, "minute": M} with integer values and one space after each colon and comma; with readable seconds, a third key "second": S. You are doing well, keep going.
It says {"hour": 8, "minute": 7}
